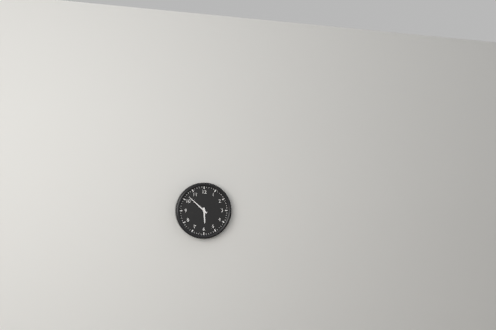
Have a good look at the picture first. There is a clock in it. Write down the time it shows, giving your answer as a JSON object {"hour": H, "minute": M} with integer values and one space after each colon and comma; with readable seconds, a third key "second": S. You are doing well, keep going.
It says {"hour": 5, "minute": 52}
